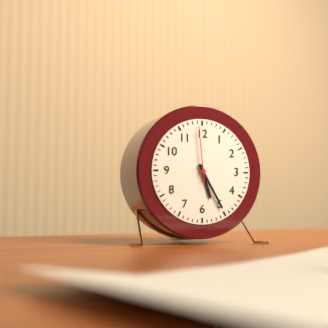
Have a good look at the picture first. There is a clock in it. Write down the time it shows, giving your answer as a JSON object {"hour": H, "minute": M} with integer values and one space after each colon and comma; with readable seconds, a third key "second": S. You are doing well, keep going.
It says {"hour": 5, "minute": 25, "second": 59}
